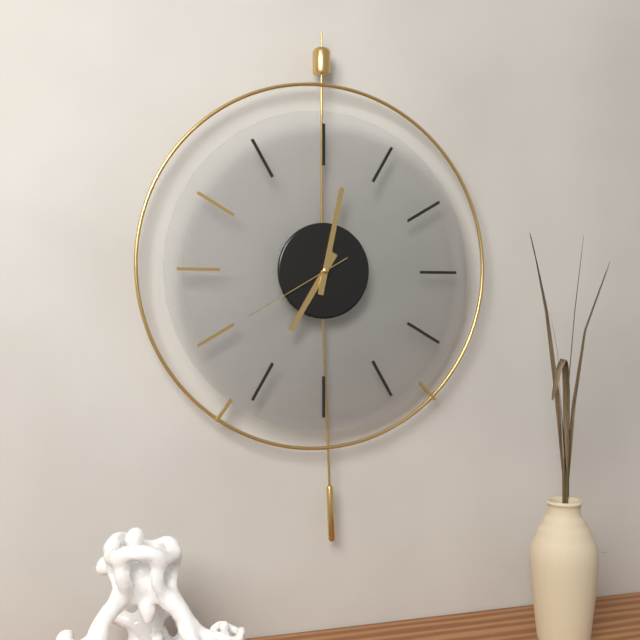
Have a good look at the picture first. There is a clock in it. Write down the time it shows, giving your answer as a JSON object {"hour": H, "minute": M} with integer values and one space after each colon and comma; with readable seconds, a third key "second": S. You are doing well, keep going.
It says {"hour": 7, "minute": 2, "second": 40}
